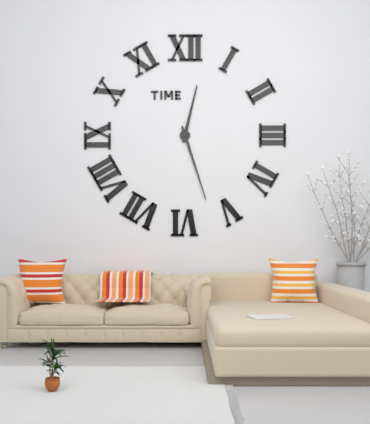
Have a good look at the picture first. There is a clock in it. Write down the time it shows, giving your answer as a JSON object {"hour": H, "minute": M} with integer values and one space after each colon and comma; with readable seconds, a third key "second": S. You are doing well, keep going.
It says {"hour": 12, "minute": 27}
